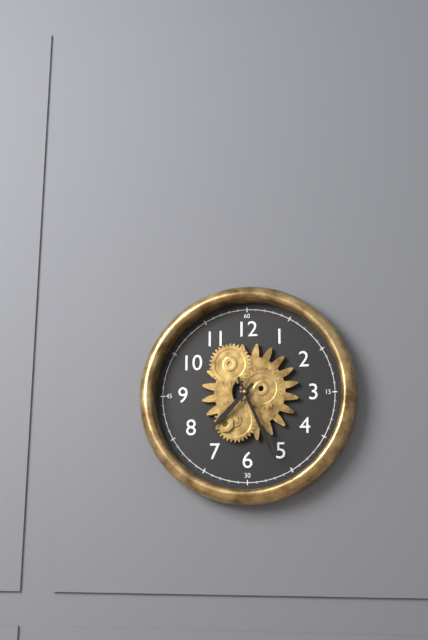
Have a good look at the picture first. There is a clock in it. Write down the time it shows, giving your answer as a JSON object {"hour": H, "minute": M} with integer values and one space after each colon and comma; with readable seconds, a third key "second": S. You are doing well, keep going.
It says {"hour": 7, "minute": 26}
